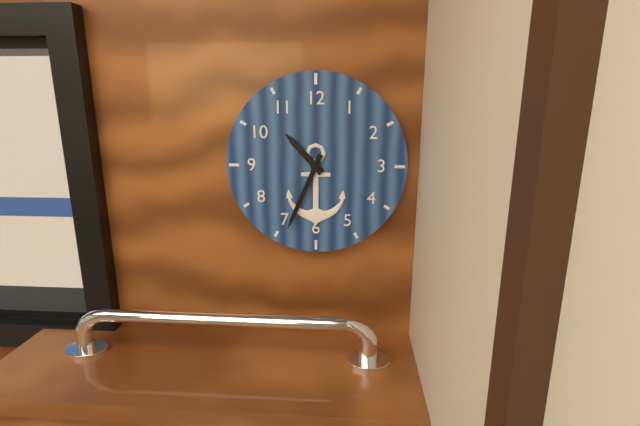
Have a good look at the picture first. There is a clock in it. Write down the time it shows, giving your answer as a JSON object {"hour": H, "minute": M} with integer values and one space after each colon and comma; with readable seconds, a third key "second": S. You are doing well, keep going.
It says {"hour": 10, "minute": 34}
